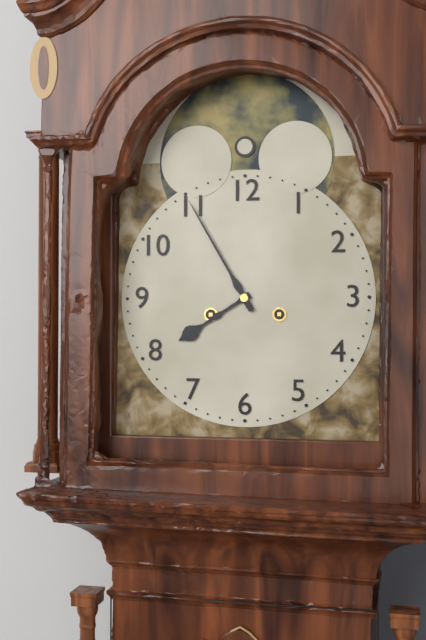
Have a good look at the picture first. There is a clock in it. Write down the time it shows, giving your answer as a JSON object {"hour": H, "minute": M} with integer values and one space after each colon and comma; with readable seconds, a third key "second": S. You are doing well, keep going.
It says {"hour": 7, "minute": 55}
